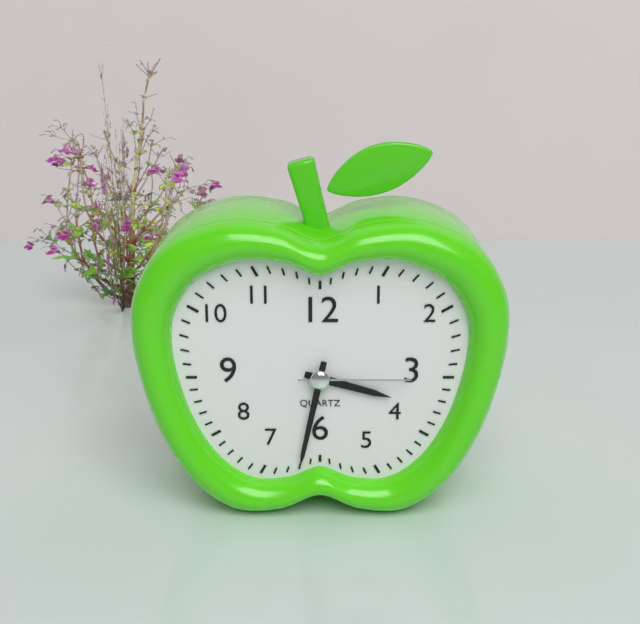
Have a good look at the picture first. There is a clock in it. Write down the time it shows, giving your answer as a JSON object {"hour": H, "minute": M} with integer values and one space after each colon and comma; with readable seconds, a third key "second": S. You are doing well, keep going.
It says {"hour": 3, "minute": 32, "second": 15}
